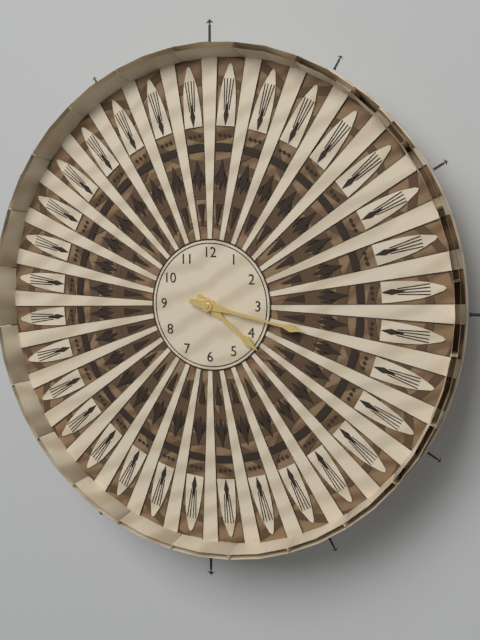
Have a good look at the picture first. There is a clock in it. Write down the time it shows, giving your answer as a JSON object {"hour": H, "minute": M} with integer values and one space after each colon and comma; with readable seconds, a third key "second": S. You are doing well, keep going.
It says {"hour": 4, "minute": 17}
